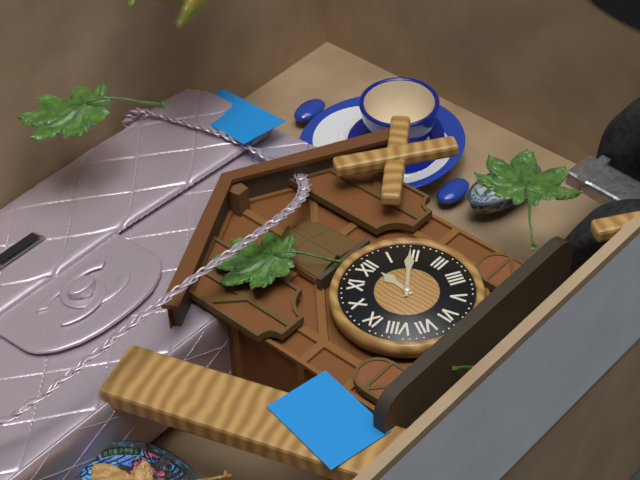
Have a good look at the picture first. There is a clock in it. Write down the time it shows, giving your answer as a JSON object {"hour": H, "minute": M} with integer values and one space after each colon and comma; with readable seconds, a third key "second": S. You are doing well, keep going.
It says {"hour": 12, "minute": 9}
